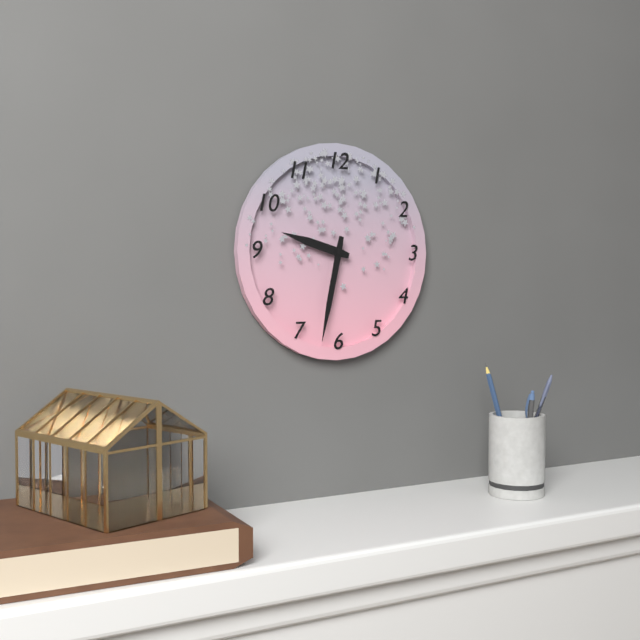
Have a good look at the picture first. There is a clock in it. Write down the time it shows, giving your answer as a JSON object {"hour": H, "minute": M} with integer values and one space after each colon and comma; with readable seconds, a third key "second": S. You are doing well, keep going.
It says {"hour": 9, "minute": 32}
